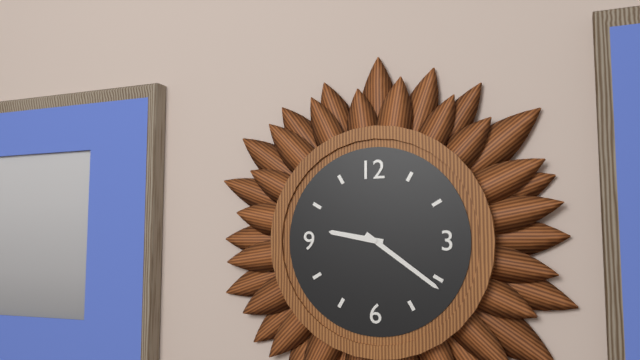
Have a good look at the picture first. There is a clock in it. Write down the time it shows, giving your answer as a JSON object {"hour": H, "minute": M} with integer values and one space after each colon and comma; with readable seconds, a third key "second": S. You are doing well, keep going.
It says {"hour": 9, "minute": 21}
